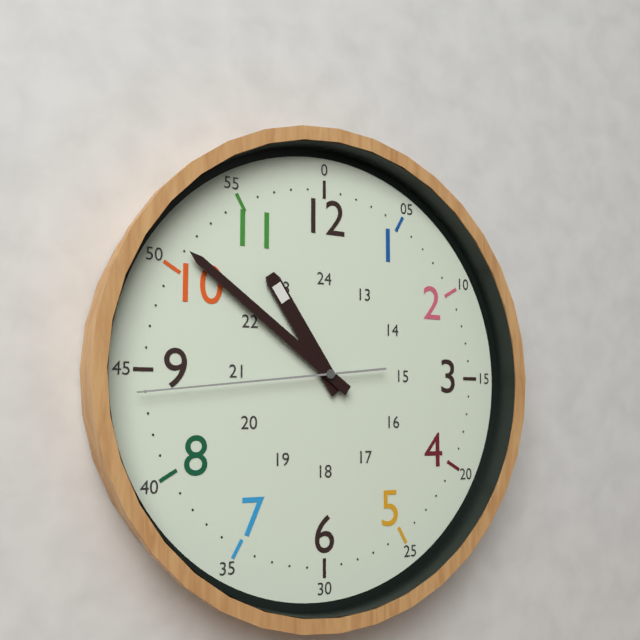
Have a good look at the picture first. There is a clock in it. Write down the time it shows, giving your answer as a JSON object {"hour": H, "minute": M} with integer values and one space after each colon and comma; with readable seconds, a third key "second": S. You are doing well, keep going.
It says {"hour": 10, "minute": 51, "second": 44}
